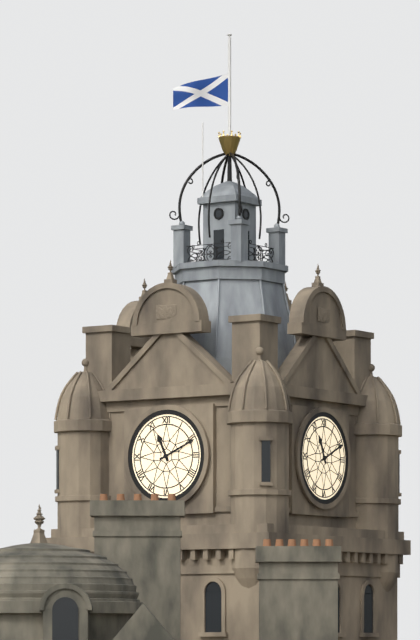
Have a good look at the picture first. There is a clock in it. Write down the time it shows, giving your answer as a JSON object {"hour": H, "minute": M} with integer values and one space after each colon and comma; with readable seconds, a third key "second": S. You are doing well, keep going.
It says {"hour": 11, "minute": 11}
